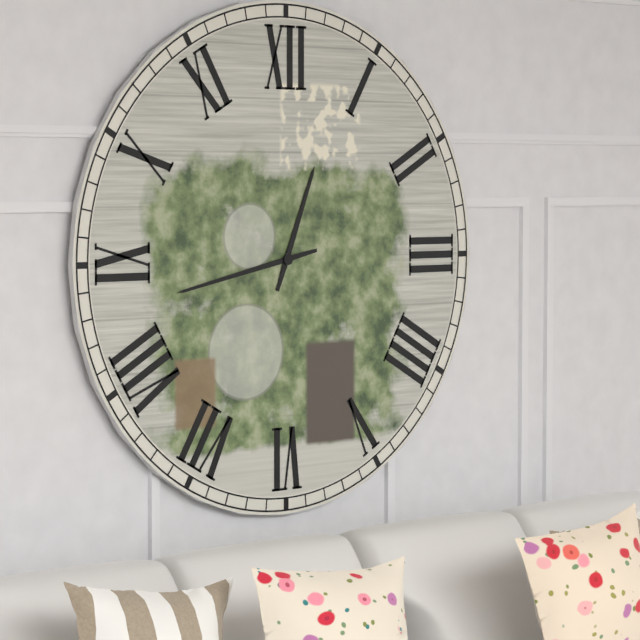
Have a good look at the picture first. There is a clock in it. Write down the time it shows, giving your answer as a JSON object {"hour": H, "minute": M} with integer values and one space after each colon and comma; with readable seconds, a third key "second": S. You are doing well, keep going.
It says {"hour": 12, "minute": 43}
